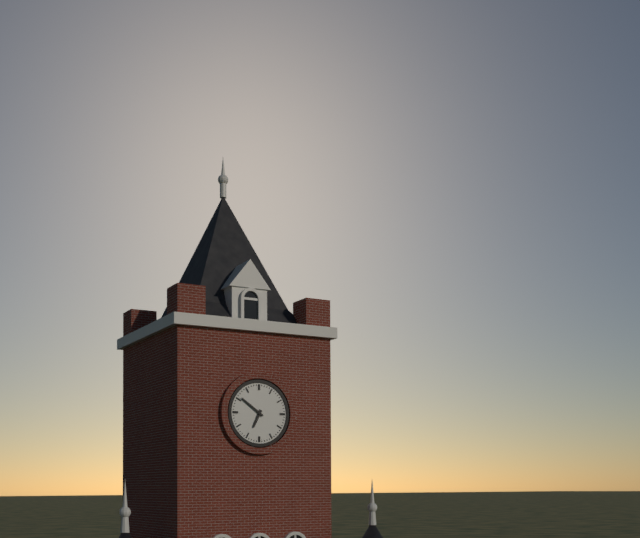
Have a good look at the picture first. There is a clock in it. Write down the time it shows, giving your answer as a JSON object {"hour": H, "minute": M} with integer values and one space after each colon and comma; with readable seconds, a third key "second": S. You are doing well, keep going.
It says {"hour": 6, "minute": 51}
